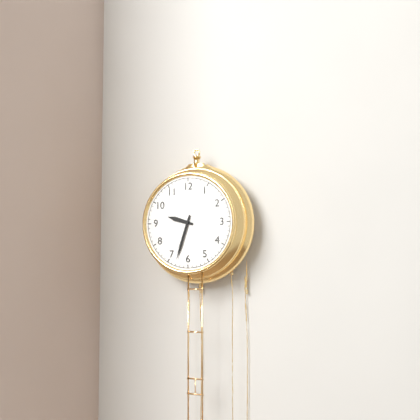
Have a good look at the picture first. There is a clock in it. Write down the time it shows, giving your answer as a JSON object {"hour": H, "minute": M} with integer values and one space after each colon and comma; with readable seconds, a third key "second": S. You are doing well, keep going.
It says {"hour": 9, "minute": 33}
